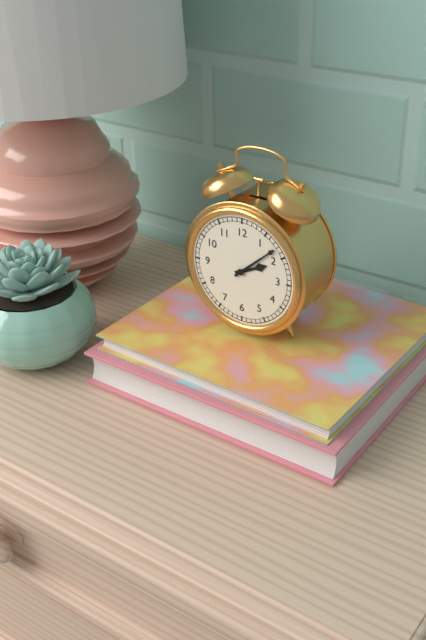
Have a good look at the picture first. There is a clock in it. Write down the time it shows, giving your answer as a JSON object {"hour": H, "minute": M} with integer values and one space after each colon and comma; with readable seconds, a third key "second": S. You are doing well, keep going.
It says {"hour": 2, "minute": 8}
